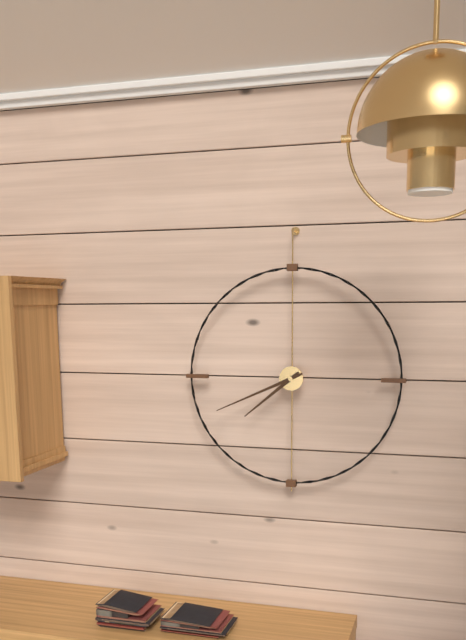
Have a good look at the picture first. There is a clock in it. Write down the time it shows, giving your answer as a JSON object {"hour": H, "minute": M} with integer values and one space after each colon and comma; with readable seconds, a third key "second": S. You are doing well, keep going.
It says {"hour": 7, "minute": 41}
